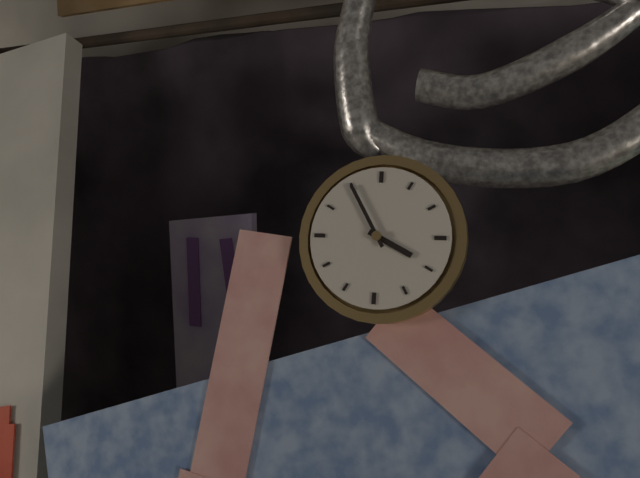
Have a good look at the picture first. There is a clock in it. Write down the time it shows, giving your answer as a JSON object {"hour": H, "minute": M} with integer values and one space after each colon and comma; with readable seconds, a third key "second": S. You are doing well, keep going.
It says {"hour": 3, "minute": 55}
